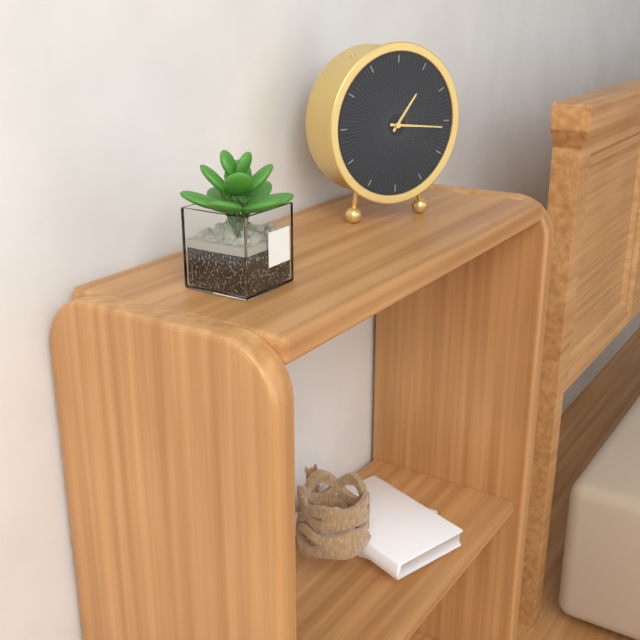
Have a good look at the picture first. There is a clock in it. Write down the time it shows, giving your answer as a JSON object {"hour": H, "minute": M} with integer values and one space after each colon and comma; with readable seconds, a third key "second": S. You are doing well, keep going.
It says {"hour": 1, "minute": 16}
